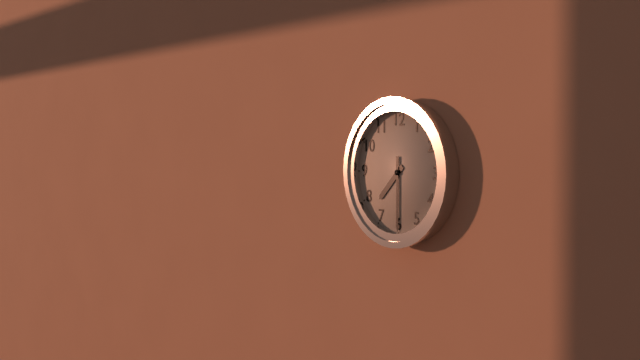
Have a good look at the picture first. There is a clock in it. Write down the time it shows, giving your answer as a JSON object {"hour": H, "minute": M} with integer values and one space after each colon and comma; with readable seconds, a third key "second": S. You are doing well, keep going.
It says {"hour": 7, "minute": 30}
